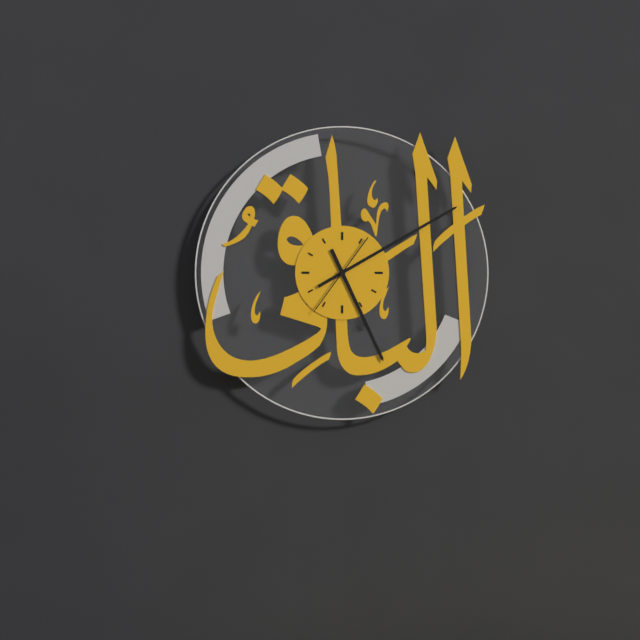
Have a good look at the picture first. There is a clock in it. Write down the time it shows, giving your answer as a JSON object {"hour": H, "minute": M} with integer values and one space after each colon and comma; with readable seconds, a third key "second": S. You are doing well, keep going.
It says {"hour": 5, "minute": 10, "second": 36}
